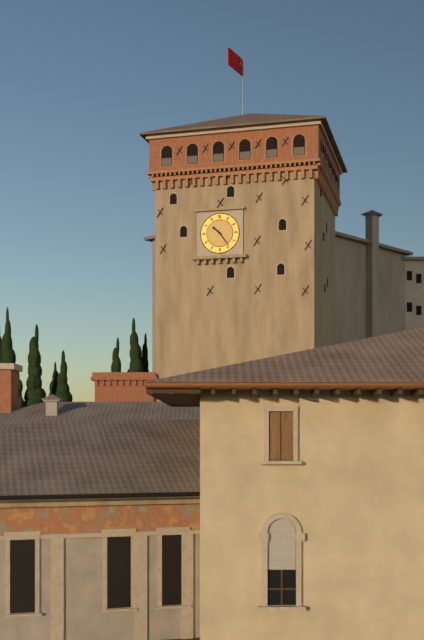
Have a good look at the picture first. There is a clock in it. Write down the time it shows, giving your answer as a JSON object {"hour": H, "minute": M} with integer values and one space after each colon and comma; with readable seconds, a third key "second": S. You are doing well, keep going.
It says {"hour": 10, "minute": 24}
